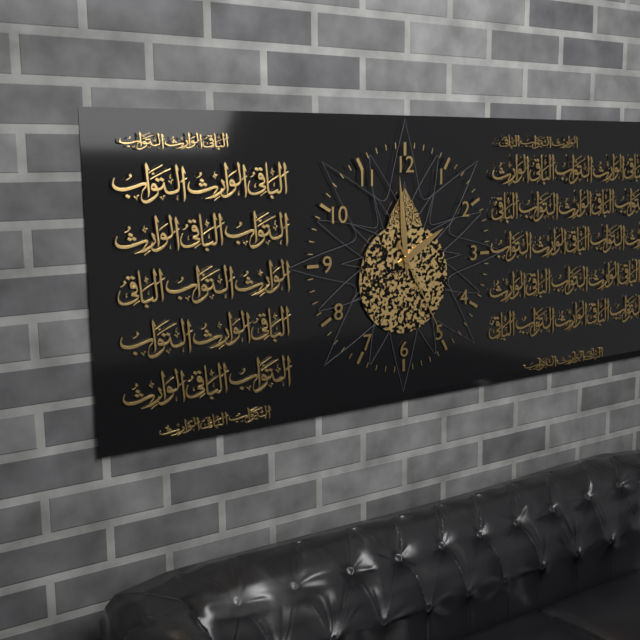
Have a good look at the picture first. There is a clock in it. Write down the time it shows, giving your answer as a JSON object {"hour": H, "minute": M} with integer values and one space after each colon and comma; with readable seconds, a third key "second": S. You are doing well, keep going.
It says {"hour": 1, "minute": 59, "second": 25}
